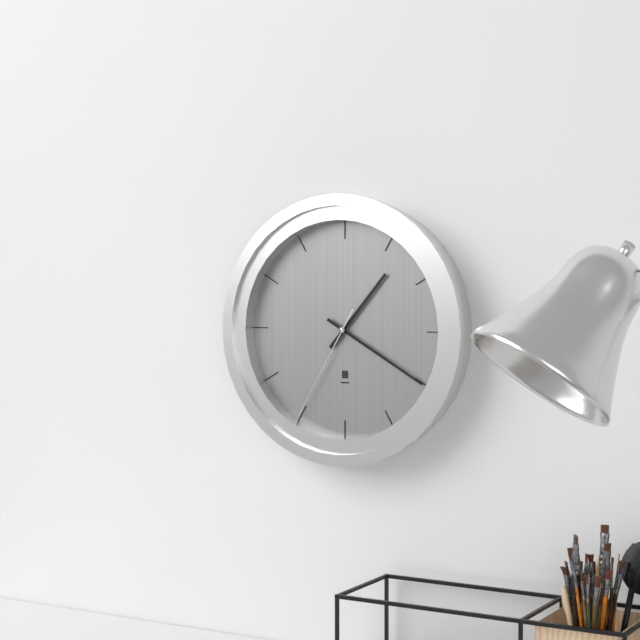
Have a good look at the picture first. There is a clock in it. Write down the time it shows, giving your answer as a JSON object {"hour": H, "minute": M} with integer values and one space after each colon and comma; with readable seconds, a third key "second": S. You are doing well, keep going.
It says {"hour": 1, "minute": 20, "second": 35}
